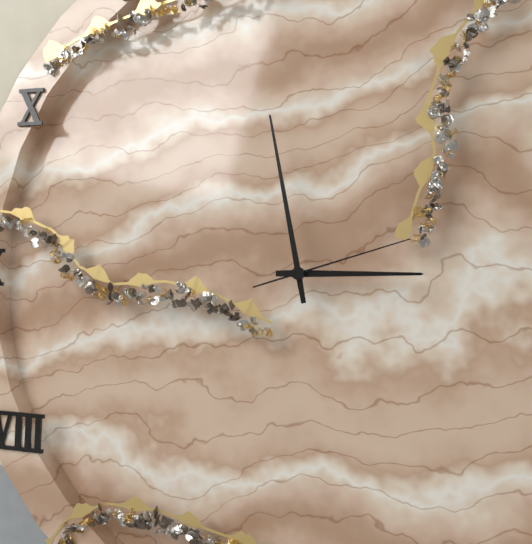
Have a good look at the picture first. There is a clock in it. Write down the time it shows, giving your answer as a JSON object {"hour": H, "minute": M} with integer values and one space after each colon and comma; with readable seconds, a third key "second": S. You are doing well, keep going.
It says {"hour": 2, "minute": 58, "second": 12}
